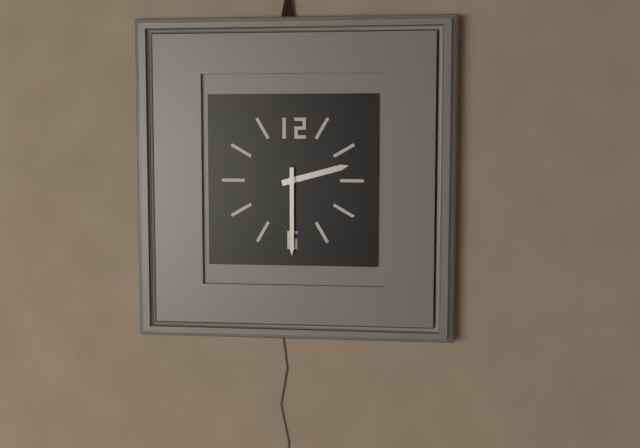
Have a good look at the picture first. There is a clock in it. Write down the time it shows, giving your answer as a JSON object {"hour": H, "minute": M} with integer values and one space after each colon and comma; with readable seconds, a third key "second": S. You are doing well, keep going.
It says {"hour": 2, "minute": 30}
